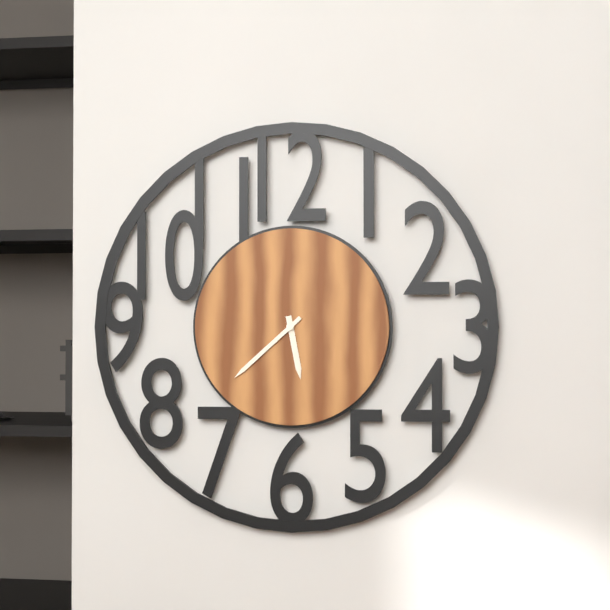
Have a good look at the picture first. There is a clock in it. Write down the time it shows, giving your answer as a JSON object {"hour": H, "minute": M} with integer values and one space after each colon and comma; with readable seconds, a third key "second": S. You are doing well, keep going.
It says {"hour": 5, "minute": 38}
